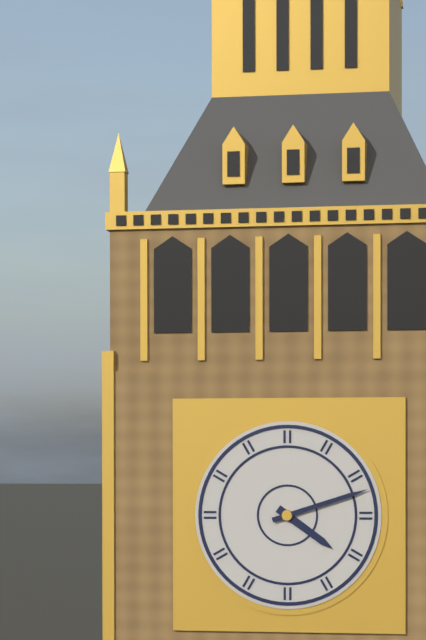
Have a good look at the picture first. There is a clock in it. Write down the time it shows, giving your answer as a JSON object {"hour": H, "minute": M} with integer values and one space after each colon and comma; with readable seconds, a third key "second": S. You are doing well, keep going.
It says {"hour": 4, "minute": 12}
